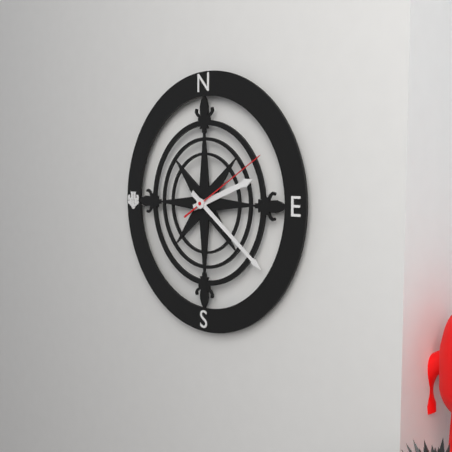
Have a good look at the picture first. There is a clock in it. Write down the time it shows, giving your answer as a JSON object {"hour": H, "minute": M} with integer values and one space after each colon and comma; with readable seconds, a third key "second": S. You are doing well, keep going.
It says {"hour": 2, "minute": 21, "second": 10}
